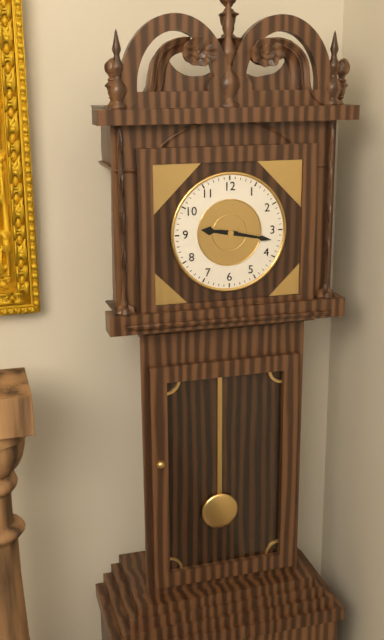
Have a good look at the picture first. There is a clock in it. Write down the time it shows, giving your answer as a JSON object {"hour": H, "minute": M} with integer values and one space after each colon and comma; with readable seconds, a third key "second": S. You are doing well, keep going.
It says {"hour": 9, "minute": 17}
